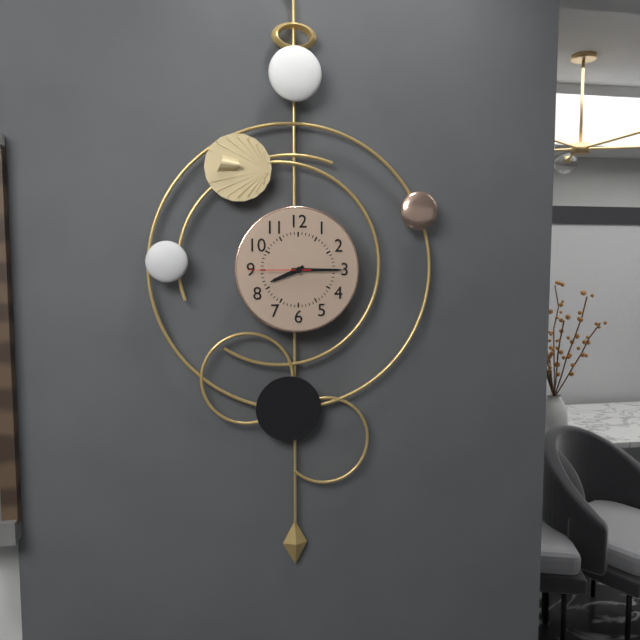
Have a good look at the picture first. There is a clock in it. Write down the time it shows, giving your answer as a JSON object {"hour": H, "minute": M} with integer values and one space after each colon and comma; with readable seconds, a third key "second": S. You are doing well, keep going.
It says {"hour": 8, "minute": 15, "second": 45}
